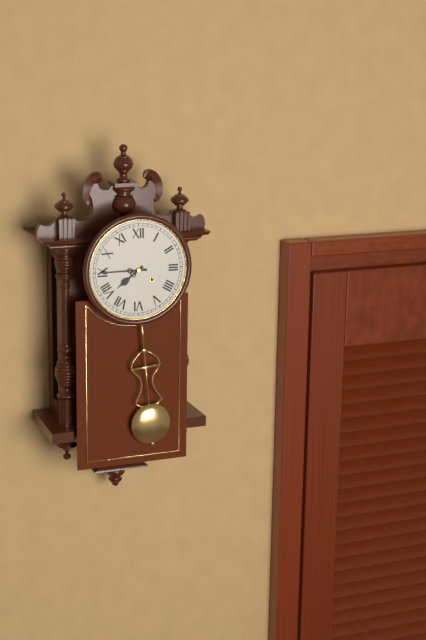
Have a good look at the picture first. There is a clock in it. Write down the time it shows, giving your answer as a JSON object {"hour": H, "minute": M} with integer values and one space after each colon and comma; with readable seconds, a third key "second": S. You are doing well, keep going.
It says {"hour": 7, "minute": 45}
